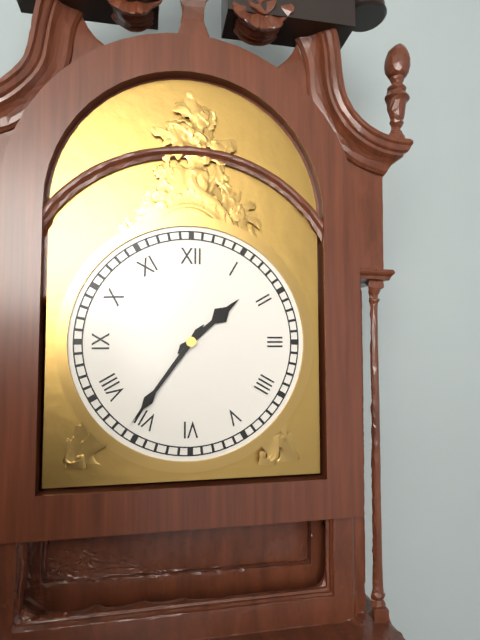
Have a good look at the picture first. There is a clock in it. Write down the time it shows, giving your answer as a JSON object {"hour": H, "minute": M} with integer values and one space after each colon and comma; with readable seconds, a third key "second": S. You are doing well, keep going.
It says {"hour": 1, "minute": 36}
